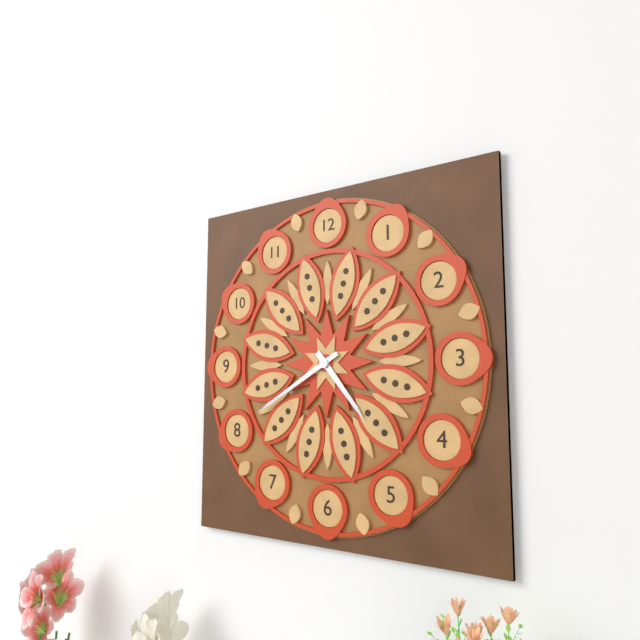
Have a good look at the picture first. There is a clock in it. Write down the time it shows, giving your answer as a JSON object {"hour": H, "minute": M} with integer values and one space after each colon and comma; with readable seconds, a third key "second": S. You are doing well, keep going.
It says {"hour": 4, "minute": 40}
